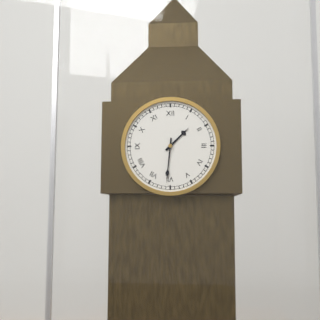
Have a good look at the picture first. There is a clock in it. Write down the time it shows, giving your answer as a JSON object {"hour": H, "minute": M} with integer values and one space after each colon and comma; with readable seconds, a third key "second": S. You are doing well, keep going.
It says {"hour": 1, "minute": 31}
